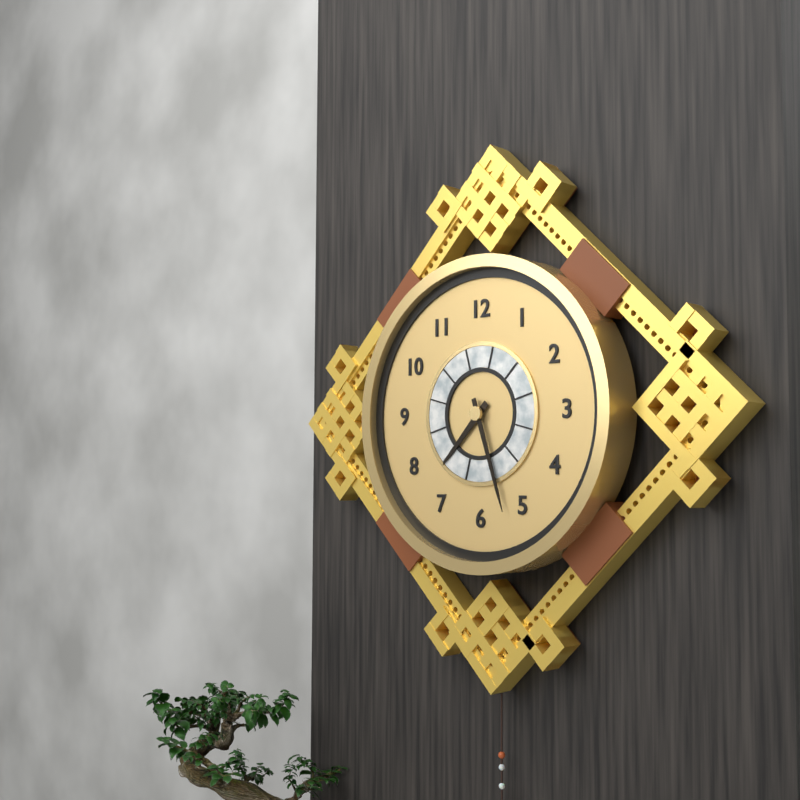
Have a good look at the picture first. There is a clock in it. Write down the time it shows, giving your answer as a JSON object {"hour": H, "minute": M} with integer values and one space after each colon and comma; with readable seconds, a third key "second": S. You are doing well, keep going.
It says {"hour": 7, "minute": 27}
